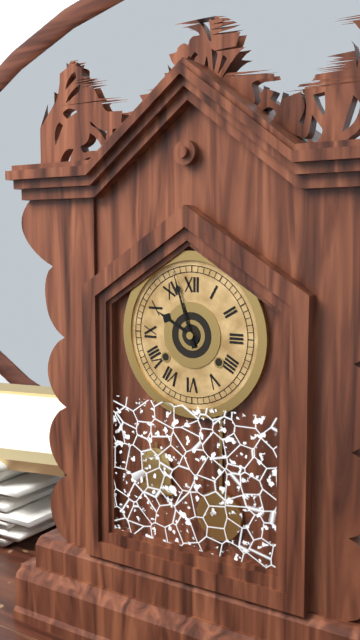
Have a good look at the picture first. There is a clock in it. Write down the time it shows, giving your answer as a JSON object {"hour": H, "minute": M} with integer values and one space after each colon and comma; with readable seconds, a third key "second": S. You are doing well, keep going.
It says {"hour": 9, "minute": 57}
